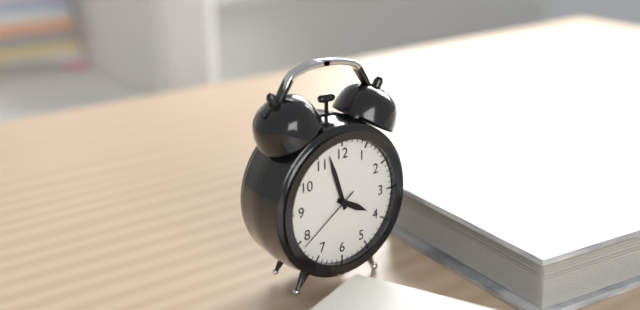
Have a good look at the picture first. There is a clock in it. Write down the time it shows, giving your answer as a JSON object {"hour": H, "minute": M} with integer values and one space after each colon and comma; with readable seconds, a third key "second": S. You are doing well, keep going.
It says {"hour": 3, "minute": 57, "second": 39}
